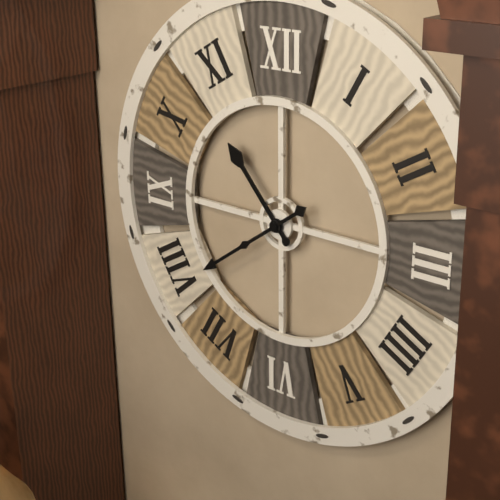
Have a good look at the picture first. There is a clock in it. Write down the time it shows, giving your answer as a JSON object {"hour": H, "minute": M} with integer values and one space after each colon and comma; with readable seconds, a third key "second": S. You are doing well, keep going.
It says {"hour": 10, "minute": 39}
